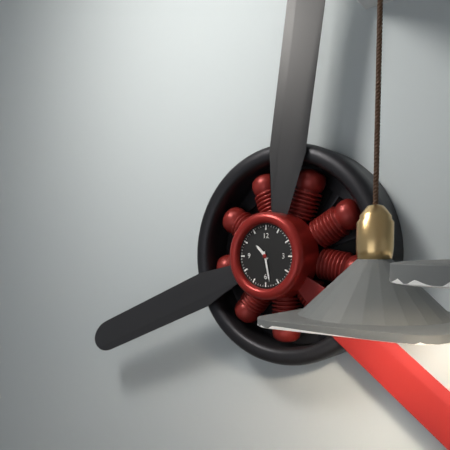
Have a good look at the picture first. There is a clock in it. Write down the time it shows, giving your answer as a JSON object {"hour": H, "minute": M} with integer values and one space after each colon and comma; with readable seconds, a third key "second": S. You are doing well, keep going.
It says {"hour": 10, "minute": 28}
